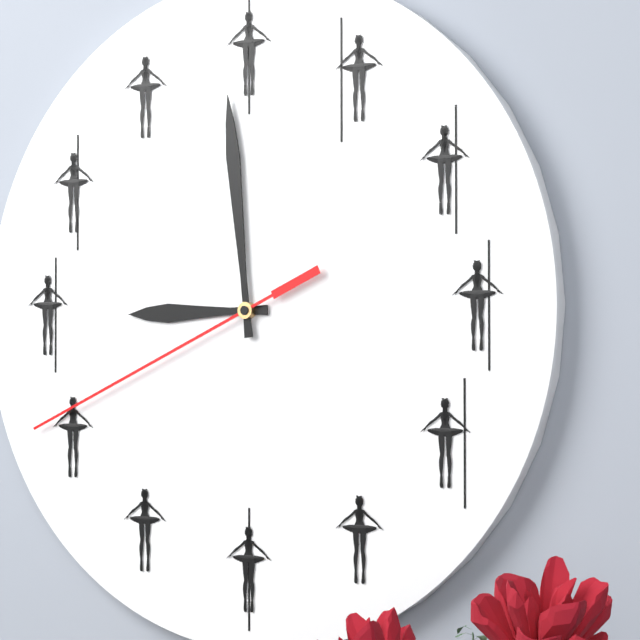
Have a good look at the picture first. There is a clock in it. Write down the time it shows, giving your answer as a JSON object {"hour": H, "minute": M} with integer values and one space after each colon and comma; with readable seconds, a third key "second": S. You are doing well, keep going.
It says {"hour": 8, "minute": 59, "second": 41}
